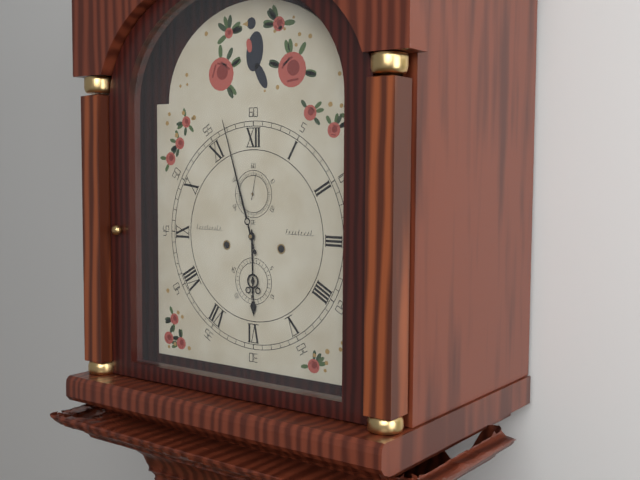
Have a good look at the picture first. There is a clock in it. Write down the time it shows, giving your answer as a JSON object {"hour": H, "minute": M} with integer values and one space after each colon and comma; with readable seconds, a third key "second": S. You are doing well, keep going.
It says {"hour": 5, "minute": 57}
